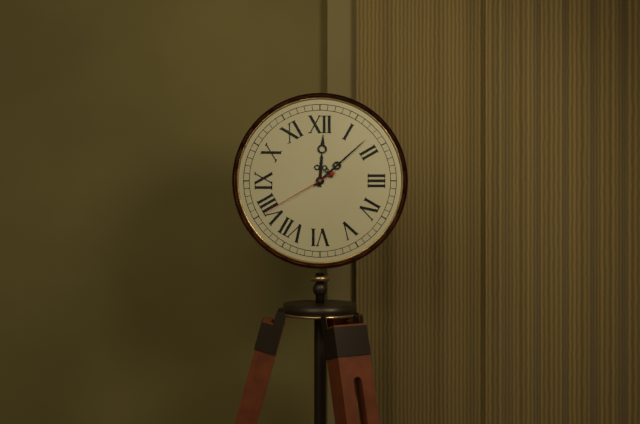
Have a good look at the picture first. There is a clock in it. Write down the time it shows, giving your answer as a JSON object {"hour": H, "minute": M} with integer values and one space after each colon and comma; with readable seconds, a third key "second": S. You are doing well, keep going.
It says {"hour": 12, "minute": 8, "second": 40}
